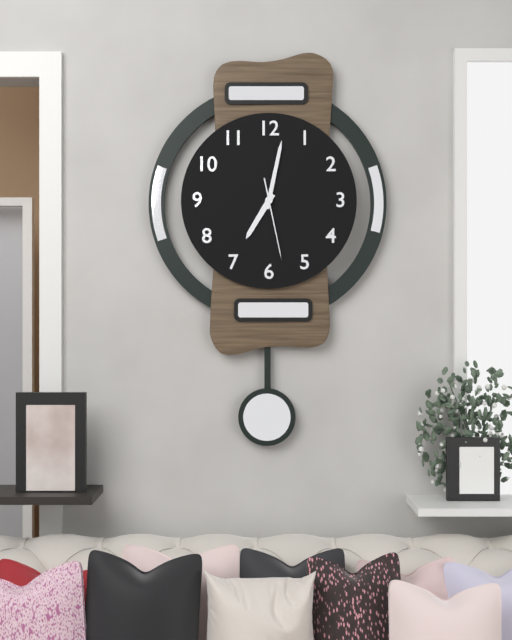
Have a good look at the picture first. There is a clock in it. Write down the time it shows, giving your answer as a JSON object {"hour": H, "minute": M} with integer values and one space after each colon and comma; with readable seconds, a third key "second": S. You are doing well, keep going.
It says {"hour": 7, "minute": 2, "second": 28}
